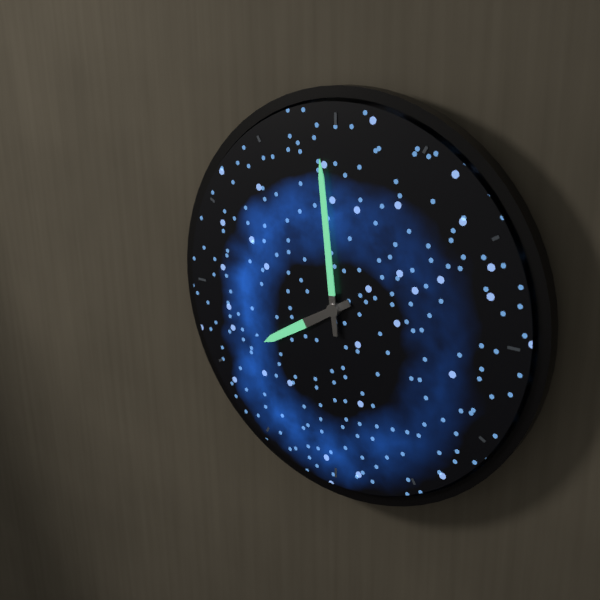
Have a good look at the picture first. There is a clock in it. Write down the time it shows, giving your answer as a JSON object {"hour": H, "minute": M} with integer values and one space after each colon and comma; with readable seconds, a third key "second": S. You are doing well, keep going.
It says {"hour": 7, "minute": 59}
